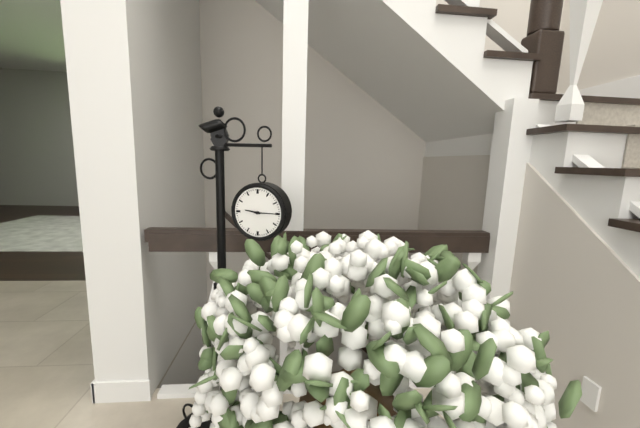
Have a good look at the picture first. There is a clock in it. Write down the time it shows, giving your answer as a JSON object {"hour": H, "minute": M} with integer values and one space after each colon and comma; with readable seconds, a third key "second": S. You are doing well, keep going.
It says {"hour": 9, "minute": 15}
